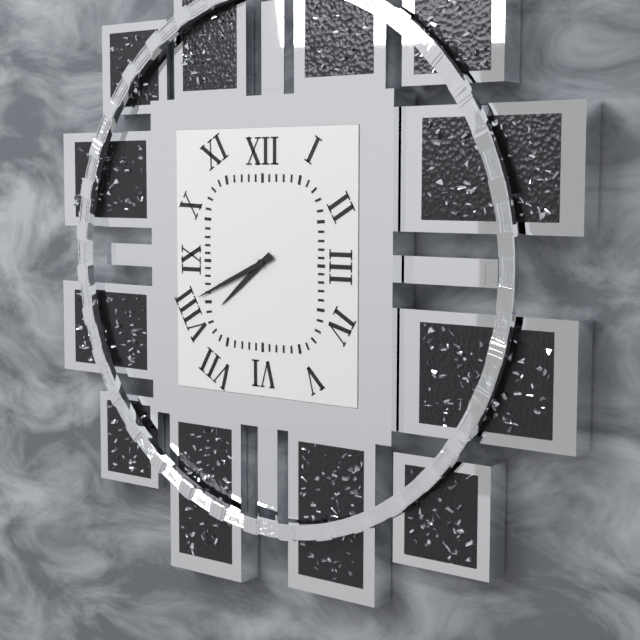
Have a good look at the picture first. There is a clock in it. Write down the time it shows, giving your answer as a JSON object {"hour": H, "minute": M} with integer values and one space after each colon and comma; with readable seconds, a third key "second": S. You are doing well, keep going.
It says {"hour": 7, "minute": 41}
